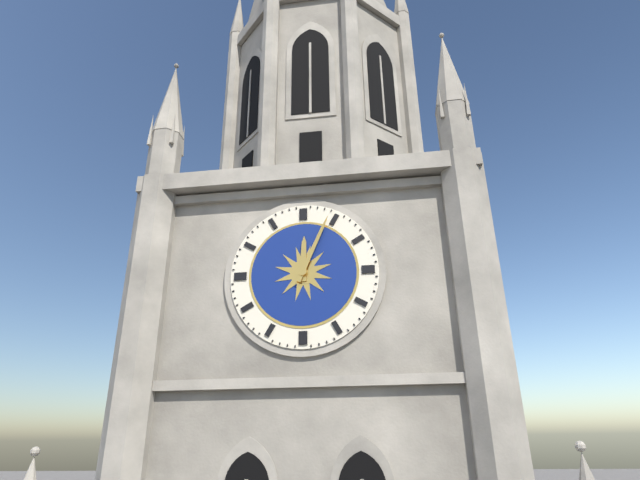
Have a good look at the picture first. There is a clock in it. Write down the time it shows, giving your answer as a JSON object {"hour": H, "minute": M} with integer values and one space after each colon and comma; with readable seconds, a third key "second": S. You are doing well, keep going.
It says {"hour": 12, "minute": 4}
